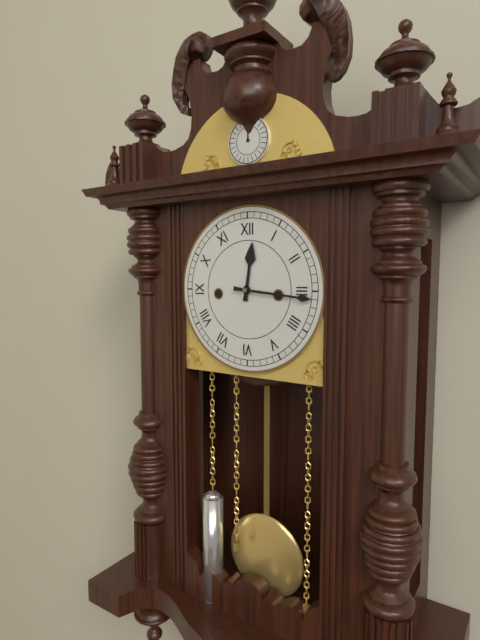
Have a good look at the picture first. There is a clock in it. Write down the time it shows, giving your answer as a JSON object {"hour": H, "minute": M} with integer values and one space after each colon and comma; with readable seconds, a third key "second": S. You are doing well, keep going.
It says {"hour": 12, "minute": 16}
